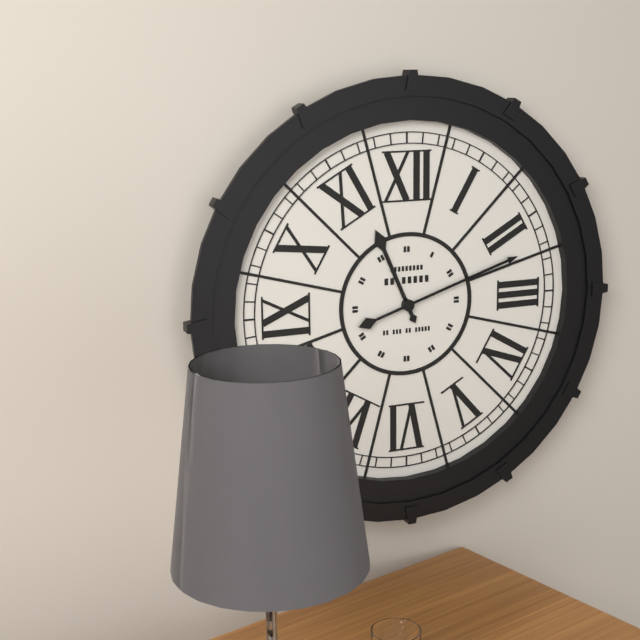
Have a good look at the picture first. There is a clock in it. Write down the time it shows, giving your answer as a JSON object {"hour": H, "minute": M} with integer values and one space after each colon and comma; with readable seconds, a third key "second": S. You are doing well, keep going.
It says {"hour": 11, "minute": 12}
